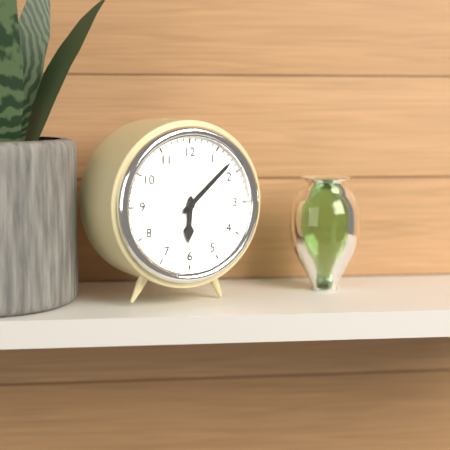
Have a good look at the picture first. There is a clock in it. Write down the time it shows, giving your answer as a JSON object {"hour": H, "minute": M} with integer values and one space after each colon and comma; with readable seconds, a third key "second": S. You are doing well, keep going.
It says {"hour": 6, "minute": 8}
